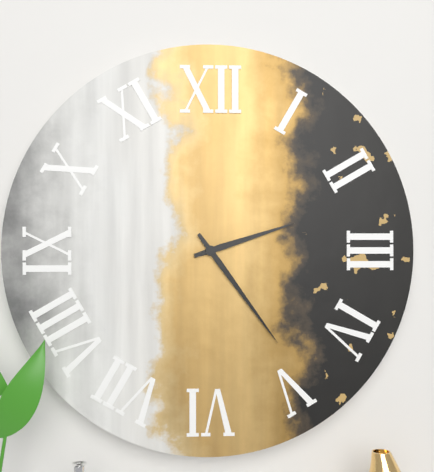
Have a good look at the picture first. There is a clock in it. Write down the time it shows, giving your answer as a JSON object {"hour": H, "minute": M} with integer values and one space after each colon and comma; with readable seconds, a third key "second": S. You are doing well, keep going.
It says {"hour": 2, "minute": 24}
